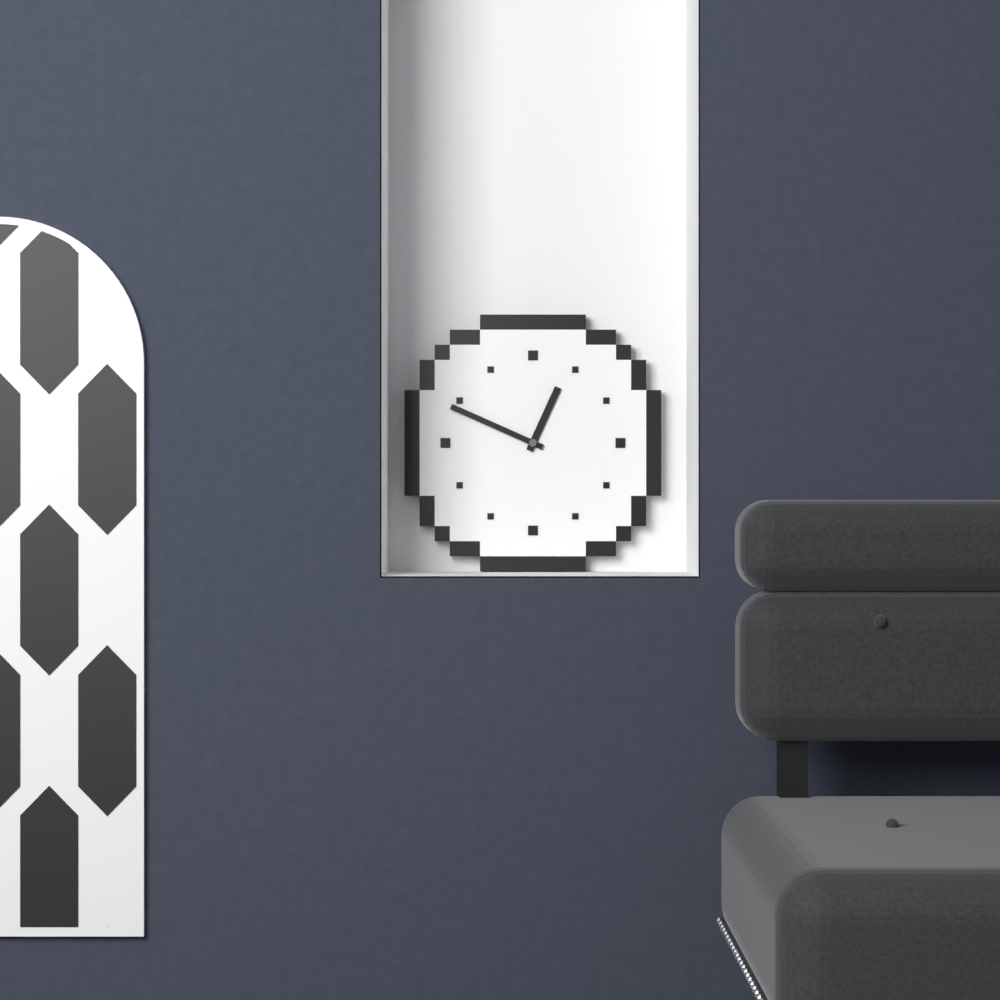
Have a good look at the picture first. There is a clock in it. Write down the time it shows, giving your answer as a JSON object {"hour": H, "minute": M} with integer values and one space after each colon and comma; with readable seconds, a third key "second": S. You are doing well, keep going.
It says {"hour": 12, "minute": 49}
